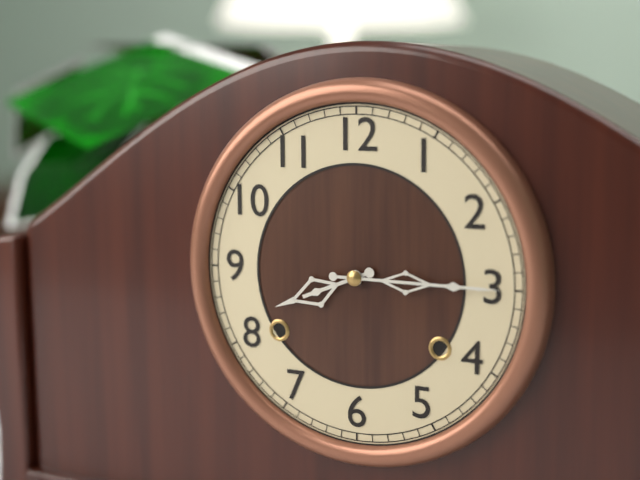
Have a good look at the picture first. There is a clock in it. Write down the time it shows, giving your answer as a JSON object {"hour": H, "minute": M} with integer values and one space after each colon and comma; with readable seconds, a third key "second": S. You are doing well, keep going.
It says {"hour": 8, "minute": 15}
